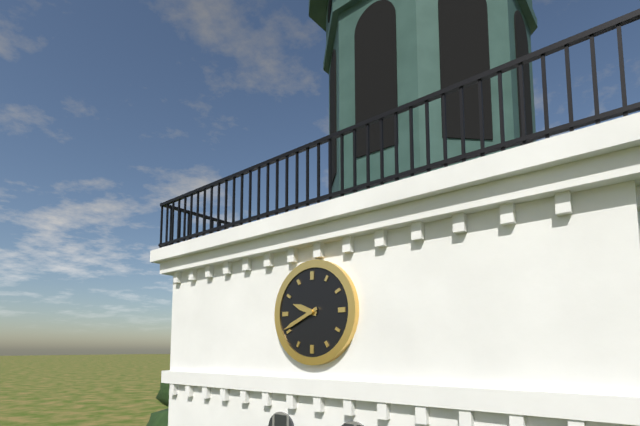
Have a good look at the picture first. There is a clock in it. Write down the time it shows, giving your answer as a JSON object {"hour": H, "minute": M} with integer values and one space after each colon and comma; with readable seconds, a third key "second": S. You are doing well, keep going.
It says {"hour": 9, "minute": 41}
